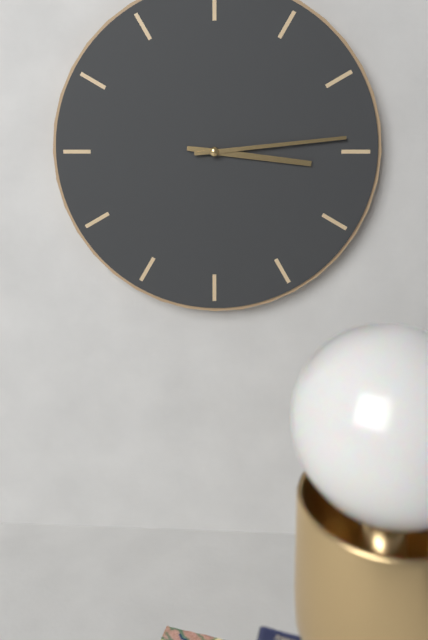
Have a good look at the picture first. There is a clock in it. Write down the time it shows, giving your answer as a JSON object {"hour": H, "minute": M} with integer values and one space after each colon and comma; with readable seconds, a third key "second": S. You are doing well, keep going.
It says {"hour": 3, "minute": 14}
